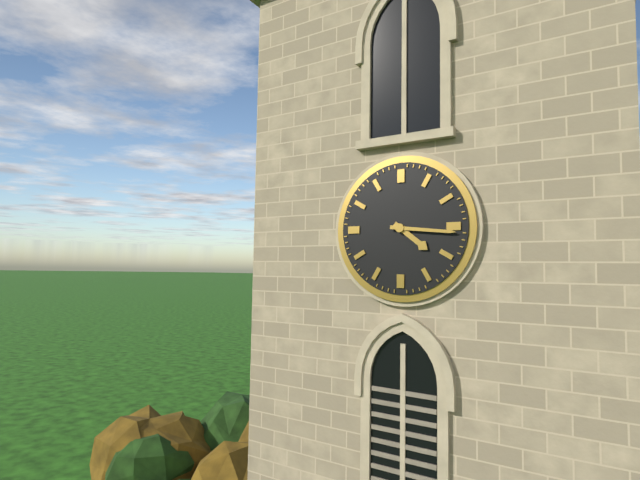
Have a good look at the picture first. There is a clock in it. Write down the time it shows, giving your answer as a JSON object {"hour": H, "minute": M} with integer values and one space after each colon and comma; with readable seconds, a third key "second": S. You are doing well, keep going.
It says {"hour": 4, "minute": 16}
